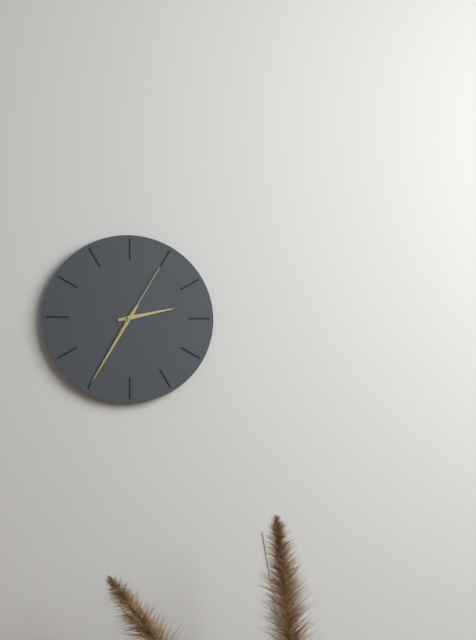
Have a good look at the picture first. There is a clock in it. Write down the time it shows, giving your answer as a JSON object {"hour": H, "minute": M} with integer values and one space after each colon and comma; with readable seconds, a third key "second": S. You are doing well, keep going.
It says {"hour": 2, "minute": 35, "second": 5}
